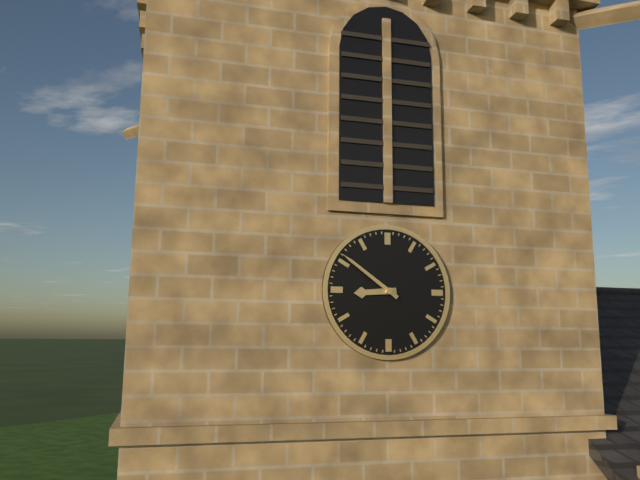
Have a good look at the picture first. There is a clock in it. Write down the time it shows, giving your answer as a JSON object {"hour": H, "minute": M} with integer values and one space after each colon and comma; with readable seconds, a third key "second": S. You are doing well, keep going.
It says {"hour": 8, "minute": 51}
